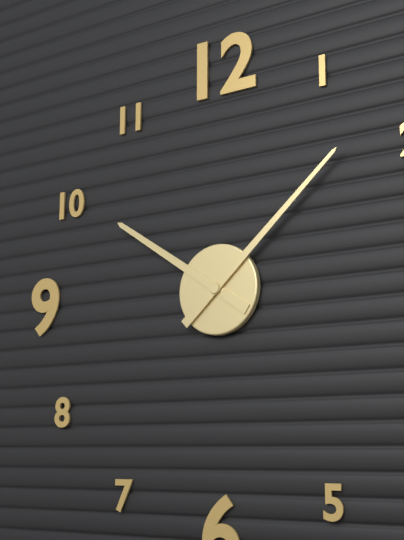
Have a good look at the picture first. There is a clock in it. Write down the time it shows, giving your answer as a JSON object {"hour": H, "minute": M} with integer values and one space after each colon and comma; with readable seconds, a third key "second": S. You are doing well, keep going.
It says {"hour": 10, "minute": 8}
